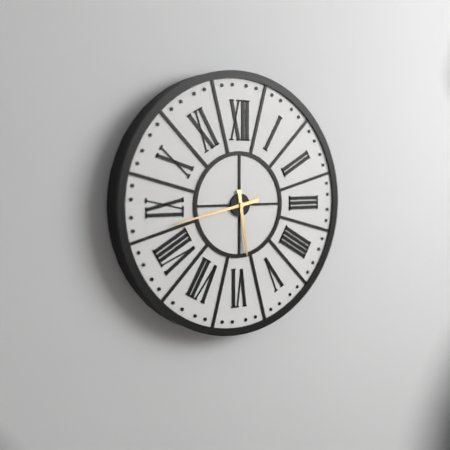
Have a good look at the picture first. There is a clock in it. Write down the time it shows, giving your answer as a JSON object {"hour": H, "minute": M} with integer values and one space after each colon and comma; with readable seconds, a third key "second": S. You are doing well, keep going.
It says {"hour": 5, "minute": 43}
